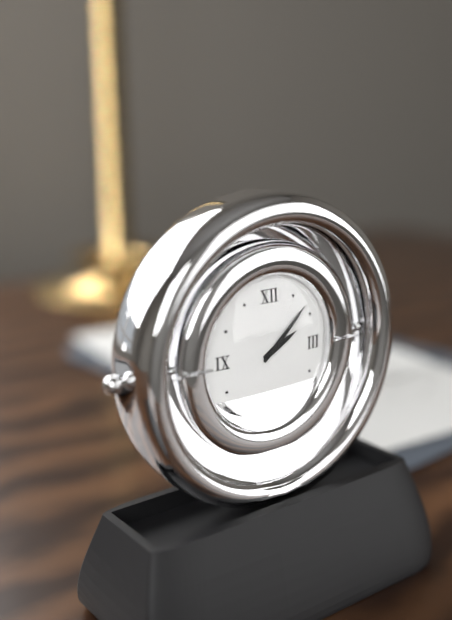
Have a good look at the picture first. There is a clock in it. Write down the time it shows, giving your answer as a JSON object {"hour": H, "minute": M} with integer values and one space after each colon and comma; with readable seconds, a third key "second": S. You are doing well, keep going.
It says {"hour": 2, "minute": 8}
